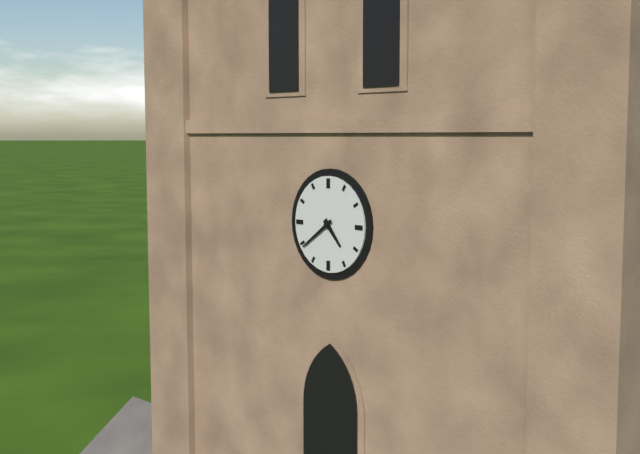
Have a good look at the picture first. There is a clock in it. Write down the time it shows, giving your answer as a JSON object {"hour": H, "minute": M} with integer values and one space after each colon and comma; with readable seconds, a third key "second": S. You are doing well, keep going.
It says {"hour": 4, "minute": 39}
